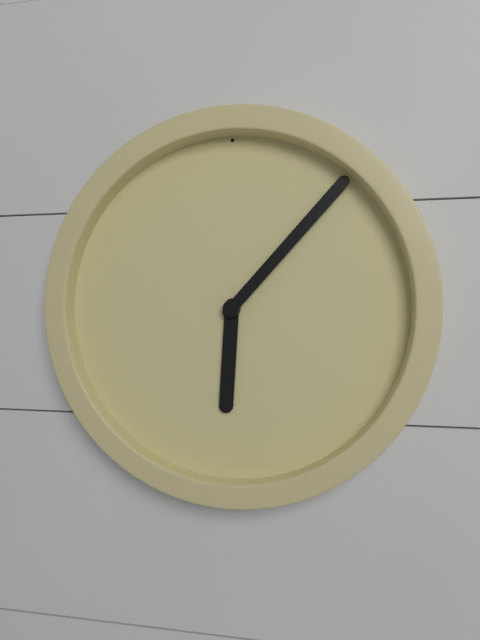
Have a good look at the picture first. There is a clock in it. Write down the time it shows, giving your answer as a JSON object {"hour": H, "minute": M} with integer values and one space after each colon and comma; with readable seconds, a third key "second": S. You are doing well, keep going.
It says {"hour": 6, "minute": 7}
